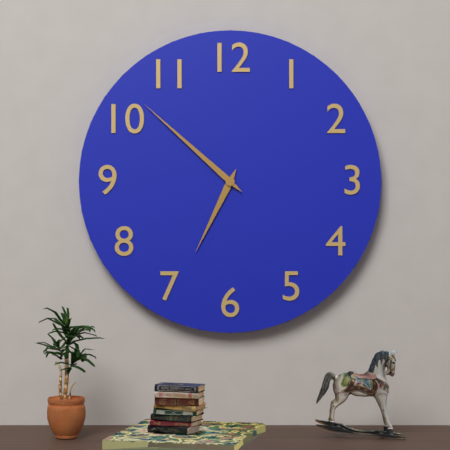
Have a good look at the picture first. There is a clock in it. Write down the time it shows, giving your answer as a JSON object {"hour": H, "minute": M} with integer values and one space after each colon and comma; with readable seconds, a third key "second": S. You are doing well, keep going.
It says {"hour": 6, "minute": 52}
